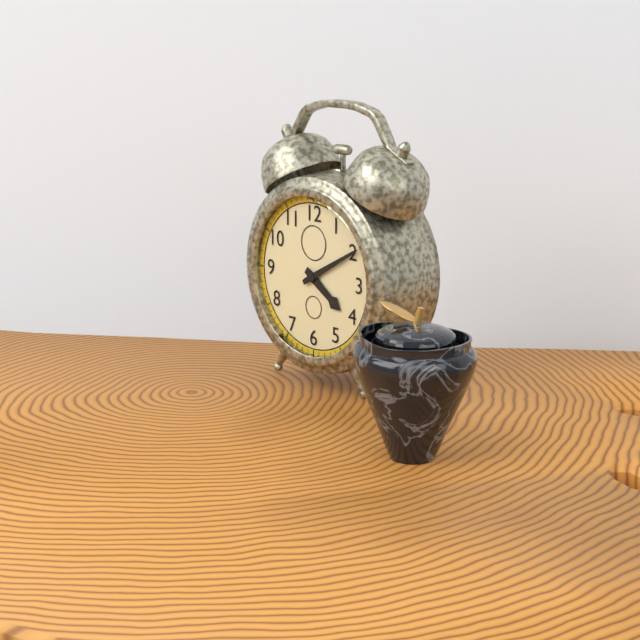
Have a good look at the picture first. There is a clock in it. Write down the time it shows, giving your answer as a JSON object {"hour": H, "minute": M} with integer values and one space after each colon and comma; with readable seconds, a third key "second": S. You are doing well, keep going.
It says {"hour": 4, "minute": 10}
